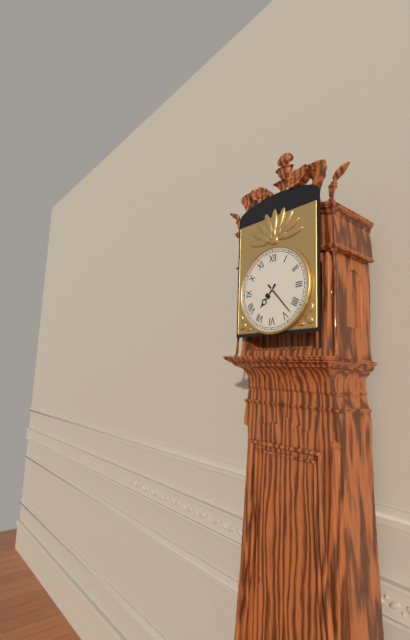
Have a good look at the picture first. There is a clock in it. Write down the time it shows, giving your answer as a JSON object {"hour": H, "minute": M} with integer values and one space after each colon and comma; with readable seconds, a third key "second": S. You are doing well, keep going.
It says {"hour": 7, "minute": 23}
